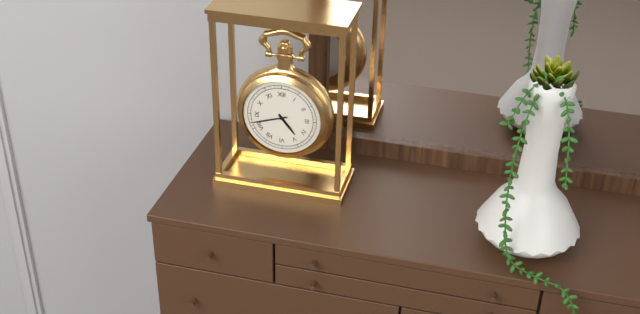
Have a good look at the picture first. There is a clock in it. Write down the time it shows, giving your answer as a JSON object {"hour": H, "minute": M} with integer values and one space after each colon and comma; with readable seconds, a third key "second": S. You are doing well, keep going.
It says {"hour": 4, "minute": 42}
